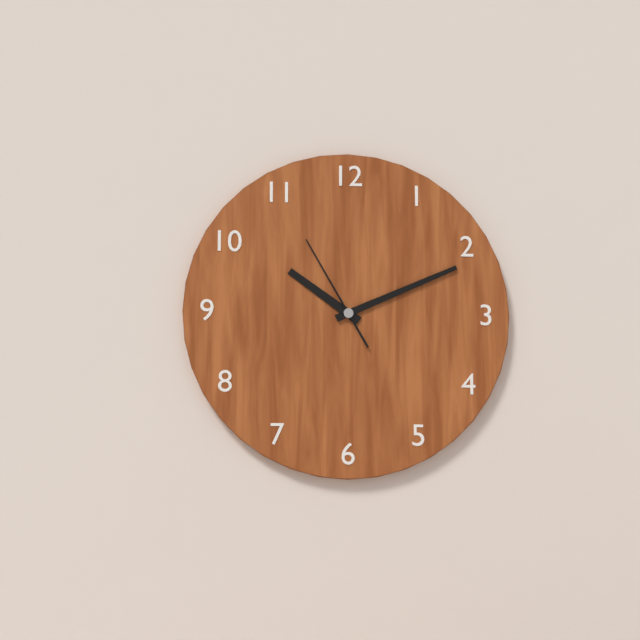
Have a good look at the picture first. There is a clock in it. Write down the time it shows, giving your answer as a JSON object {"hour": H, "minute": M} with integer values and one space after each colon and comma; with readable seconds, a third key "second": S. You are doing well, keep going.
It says {"hour": 10, "minute": 11, "second": 55}
